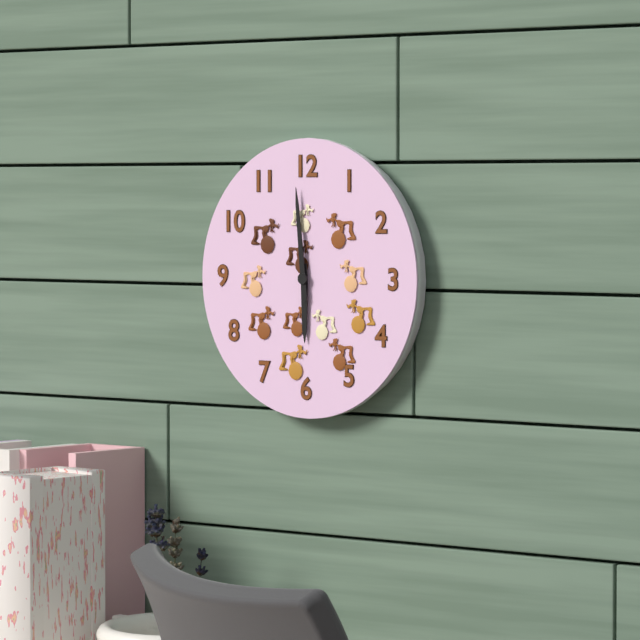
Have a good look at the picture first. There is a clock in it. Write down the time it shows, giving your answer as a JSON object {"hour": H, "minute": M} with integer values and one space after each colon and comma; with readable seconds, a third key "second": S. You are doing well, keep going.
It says {"hour": 5, "minute": 59}
